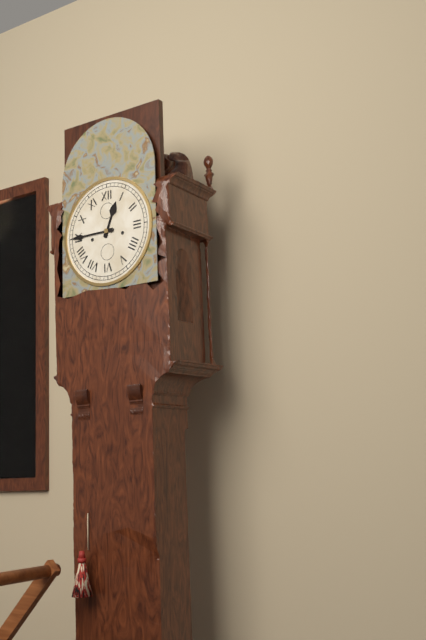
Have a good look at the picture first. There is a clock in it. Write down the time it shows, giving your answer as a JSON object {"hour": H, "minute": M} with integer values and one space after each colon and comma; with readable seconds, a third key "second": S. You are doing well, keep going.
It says {"hour": 12, "minute": 45}
